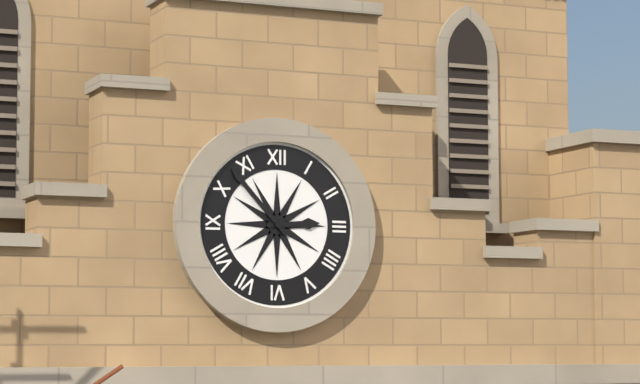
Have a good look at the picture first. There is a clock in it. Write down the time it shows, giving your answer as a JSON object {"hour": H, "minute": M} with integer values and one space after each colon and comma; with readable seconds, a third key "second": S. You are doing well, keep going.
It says {"hour": 2, "minute": 53}
